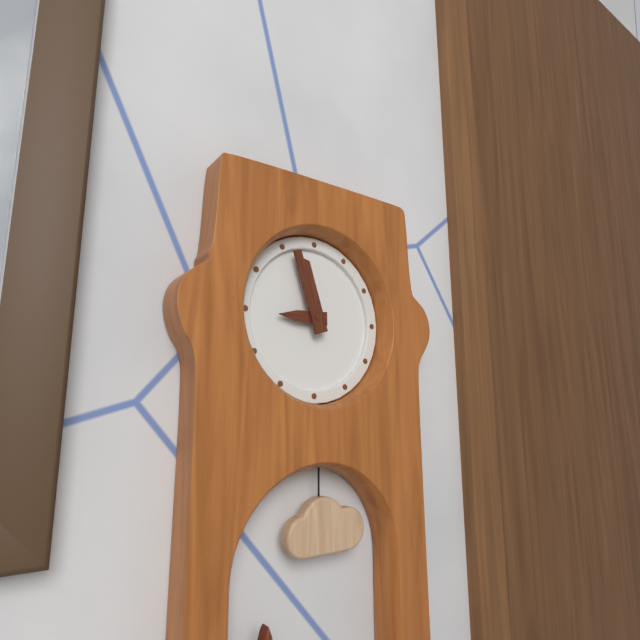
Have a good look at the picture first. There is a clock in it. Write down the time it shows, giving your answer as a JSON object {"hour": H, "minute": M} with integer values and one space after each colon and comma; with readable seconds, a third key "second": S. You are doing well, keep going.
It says {"hour": 8, "minute": 57}
